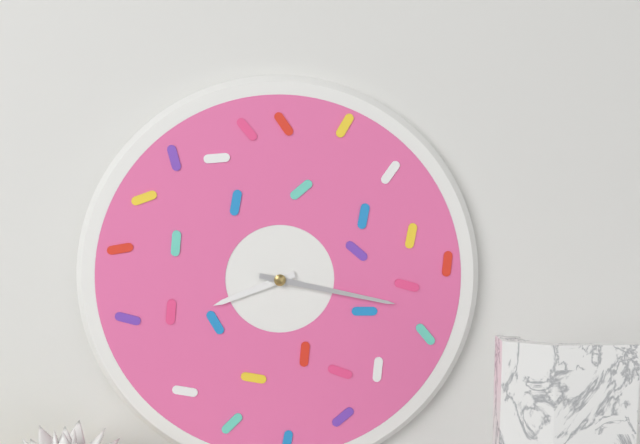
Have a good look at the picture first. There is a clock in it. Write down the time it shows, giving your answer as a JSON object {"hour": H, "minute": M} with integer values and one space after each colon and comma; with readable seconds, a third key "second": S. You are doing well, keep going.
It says {"hour": 8, "minute": 17}
